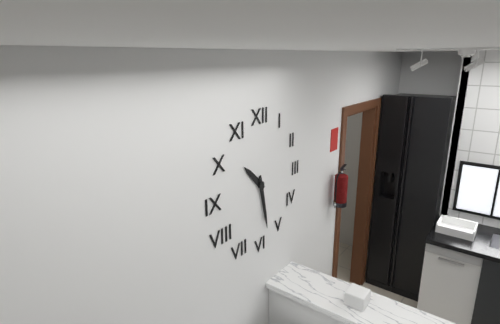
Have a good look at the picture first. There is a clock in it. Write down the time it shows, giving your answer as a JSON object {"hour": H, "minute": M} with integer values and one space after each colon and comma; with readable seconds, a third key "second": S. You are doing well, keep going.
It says {"hour": 10, "minute": 28}
